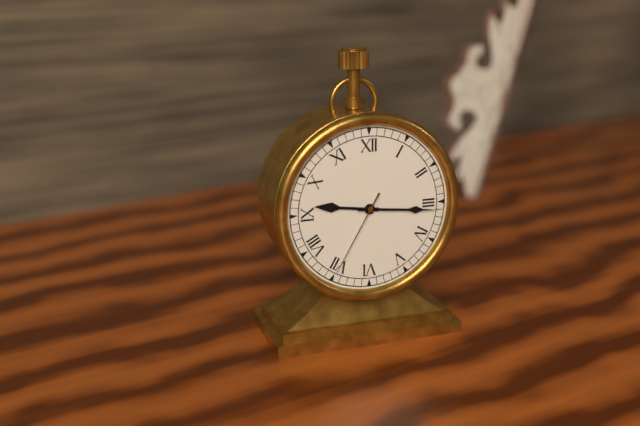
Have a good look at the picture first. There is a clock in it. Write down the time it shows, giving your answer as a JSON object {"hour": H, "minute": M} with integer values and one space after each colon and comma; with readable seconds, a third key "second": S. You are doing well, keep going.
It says {"hour": 9, "minute": 16, "second": 35}
